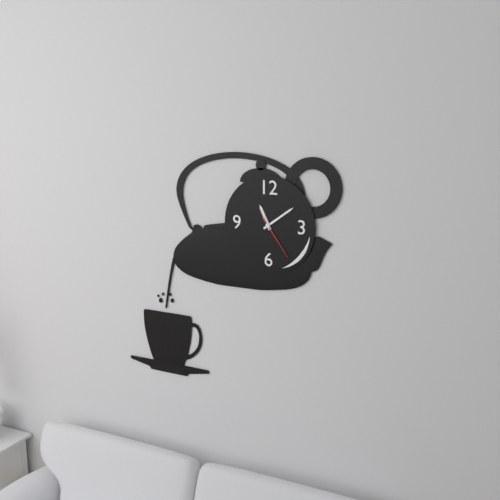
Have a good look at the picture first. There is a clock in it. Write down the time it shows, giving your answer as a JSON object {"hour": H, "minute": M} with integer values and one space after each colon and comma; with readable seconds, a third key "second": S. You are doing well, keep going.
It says {"hour": 11, "minute": 9}
